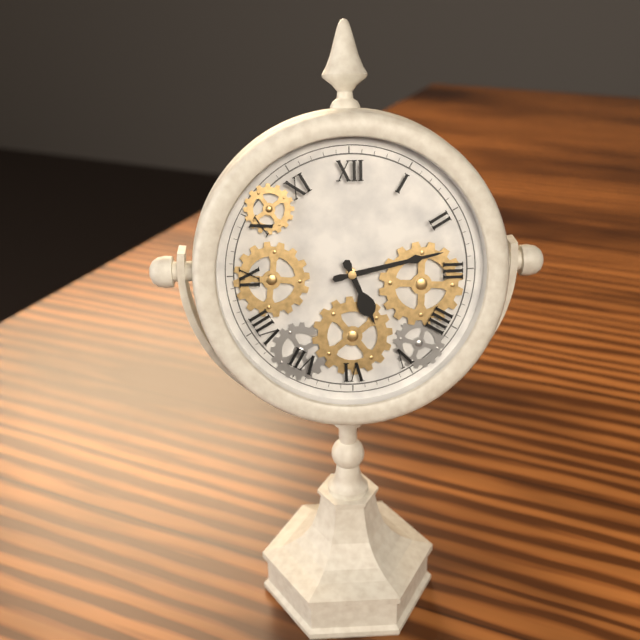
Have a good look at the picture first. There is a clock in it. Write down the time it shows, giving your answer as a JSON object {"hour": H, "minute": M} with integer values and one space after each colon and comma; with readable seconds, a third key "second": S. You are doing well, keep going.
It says {"hour": 5, "minute": 13}
